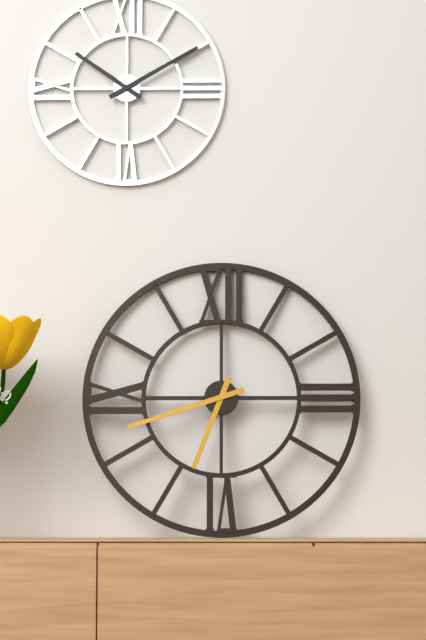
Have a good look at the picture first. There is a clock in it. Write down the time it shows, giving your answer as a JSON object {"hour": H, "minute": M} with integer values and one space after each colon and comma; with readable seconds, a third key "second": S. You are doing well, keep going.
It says {"hour": 6, "minute": 42}
